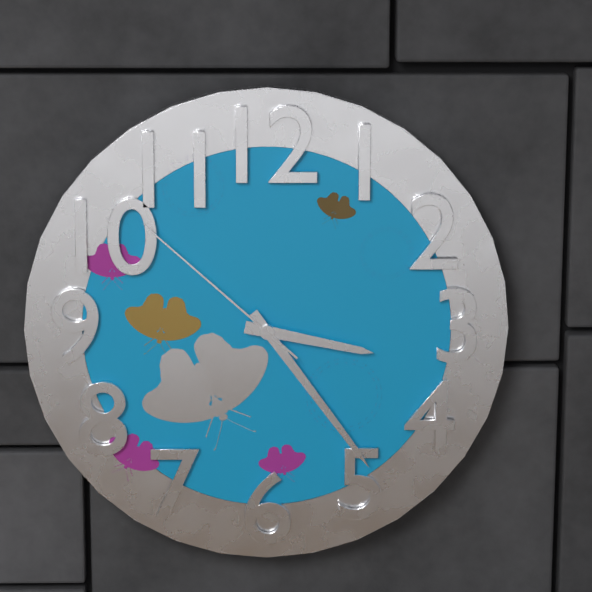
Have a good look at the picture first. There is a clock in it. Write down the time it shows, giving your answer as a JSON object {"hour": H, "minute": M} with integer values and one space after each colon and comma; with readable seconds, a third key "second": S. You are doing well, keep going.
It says {"hour": 3, "minute": 24, "second": 52}
